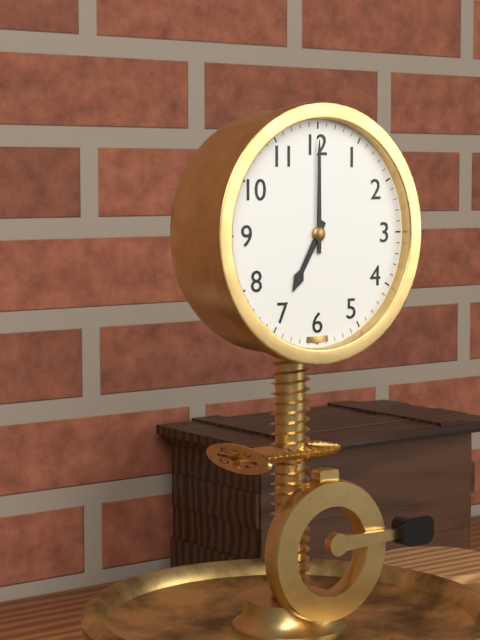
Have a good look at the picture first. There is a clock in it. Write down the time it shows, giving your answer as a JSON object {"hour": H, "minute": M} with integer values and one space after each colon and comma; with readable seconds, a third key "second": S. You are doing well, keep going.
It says {"hour": 7, "minute": 0}
